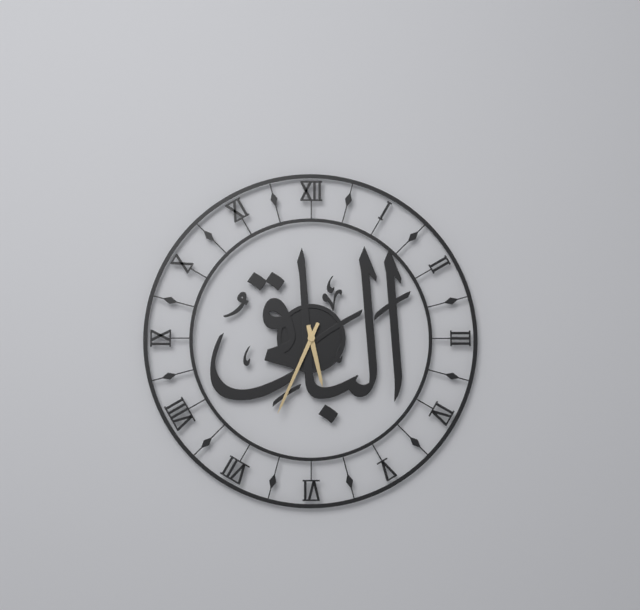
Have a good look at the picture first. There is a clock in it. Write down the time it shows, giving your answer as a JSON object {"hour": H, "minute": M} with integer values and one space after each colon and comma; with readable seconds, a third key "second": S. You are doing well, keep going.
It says {"hour": 5, "minute": 34}
